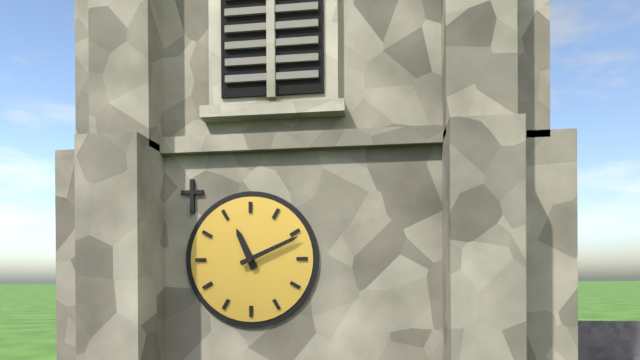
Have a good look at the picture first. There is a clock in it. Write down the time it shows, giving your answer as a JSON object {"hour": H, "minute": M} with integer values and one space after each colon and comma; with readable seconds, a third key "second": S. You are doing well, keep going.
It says {"hour": 11, "minute": 11}
